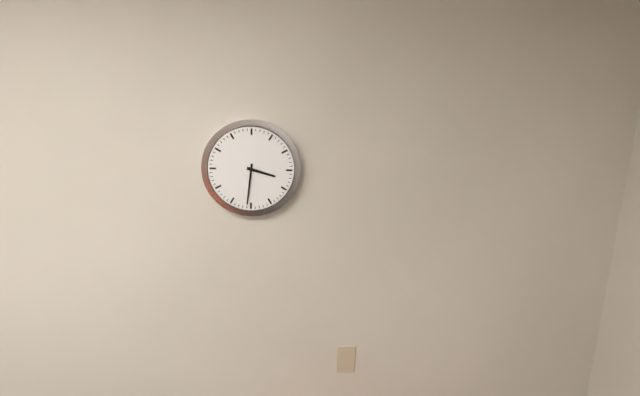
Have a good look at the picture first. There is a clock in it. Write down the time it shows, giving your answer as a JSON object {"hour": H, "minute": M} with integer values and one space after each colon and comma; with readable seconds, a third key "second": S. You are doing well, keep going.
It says {"hour": 3, "minute": 31}
